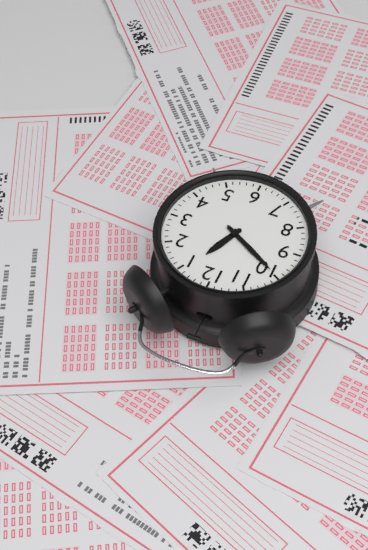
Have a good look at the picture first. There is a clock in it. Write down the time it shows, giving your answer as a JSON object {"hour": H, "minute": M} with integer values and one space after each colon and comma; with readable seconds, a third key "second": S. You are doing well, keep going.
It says {"hour": 12, "minute": 50}
